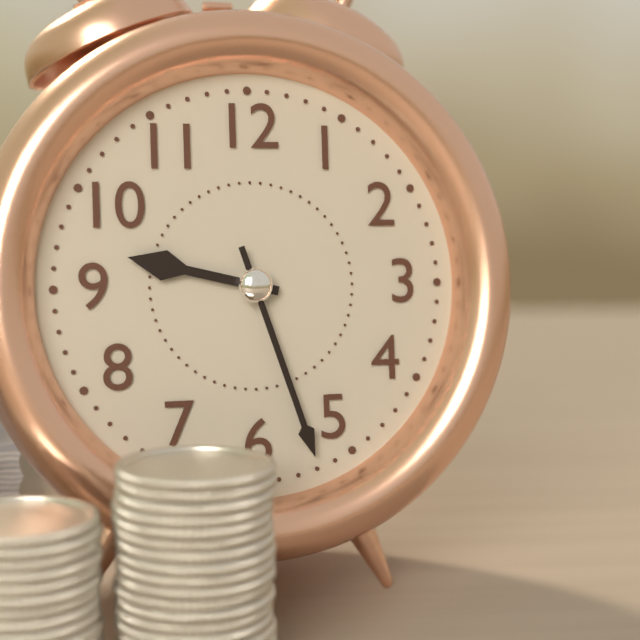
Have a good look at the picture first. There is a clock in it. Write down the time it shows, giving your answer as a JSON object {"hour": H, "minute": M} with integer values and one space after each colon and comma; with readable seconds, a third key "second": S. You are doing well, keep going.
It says {"hour": 9, "minute": 27}
